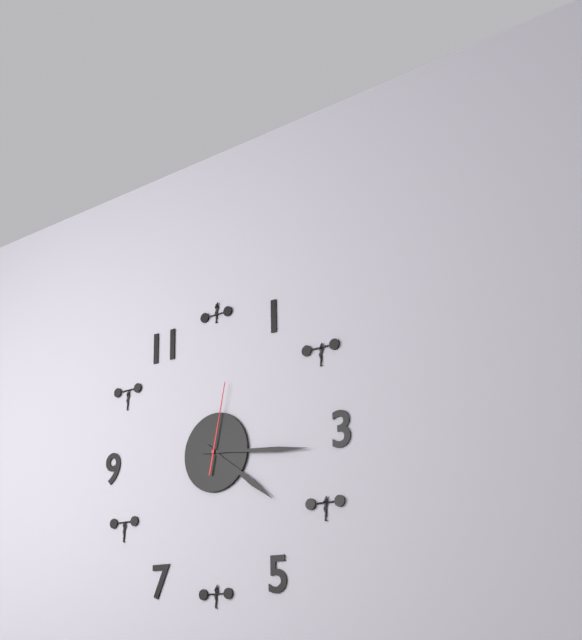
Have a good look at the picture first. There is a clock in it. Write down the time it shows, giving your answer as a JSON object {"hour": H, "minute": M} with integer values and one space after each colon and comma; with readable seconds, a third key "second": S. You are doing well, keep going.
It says {"hour": 4, "minute": 16, "second": 2}
